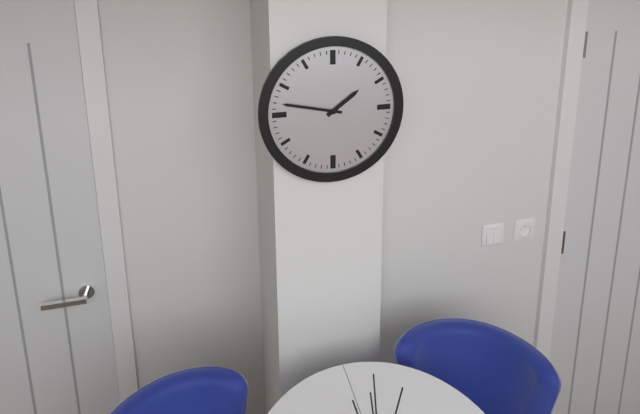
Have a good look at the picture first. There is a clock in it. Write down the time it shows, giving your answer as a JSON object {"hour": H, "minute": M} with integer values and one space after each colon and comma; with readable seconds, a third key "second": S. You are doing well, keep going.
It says {"hour": 1, "minute": 47}
